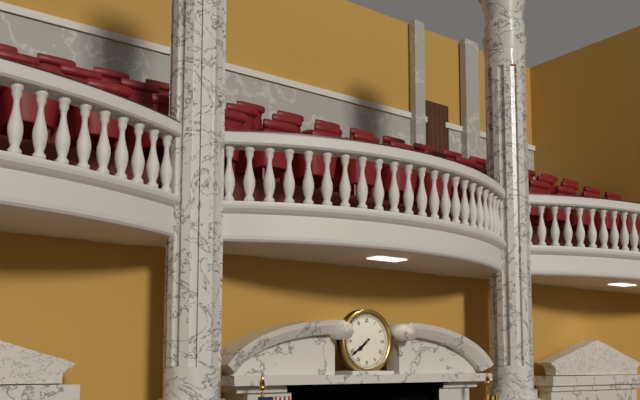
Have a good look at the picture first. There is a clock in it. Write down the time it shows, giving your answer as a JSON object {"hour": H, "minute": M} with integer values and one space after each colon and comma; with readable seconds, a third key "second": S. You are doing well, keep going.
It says {"hour": 7, "minute": 39}
